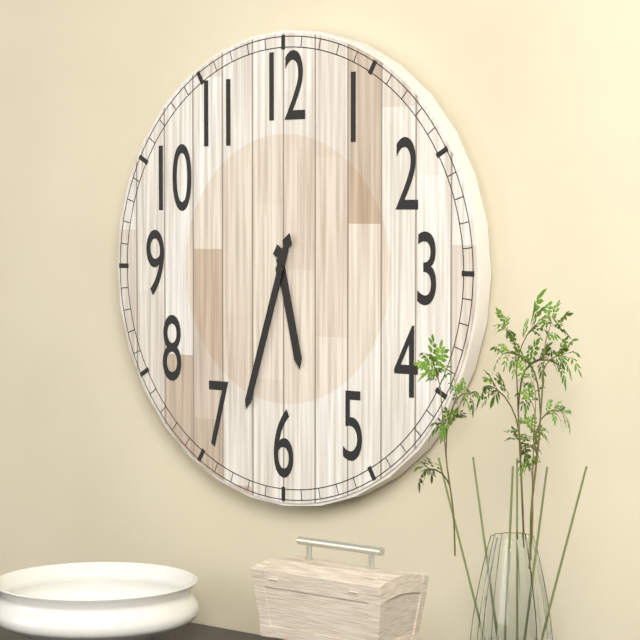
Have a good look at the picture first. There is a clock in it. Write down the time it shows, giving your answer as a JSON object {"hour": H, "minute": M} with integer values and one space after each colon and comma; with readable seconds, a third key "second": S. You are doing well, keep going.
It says {"hour": 5, "minute": 33}
